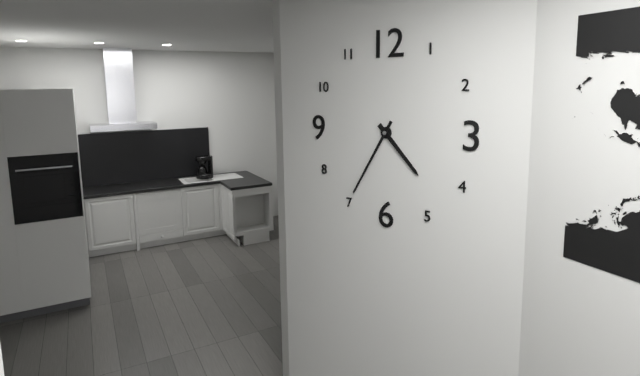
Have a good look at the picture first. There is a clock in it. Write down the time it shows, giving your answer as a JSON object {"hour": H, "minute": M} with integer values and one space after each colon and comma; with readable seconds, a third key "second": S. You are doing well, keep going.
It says {"hour": 4, "minute": 35}
